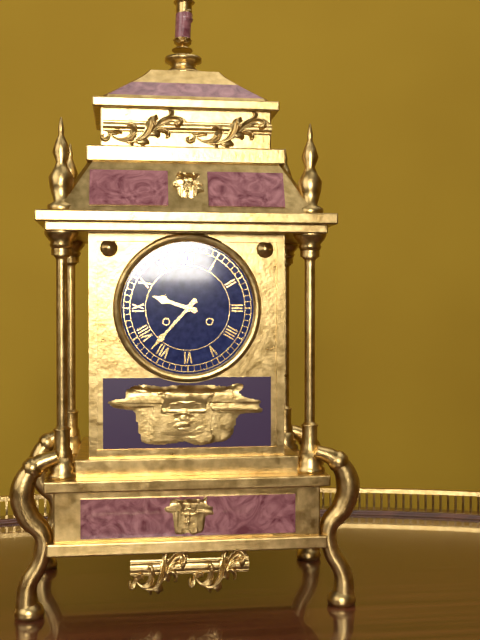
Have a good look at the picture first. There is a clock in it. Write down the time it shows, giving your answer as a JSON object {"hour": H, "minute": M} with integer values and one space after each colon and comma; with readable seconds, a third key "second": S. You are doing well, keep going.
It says {"hour": 9, "minute": 37}
